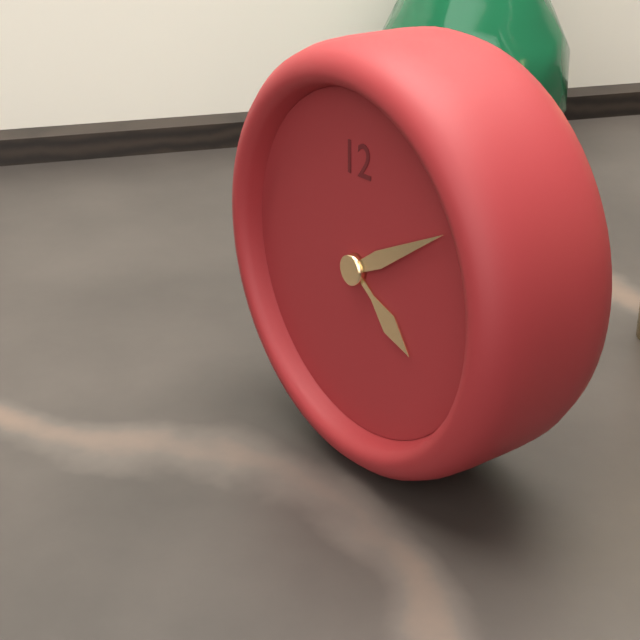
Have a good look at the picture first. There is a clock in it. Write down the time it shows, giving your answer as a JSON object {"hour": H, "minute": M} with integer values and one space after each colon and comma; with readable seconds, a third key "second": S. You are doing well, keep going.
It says {"hour": 4, "minute": 10}
